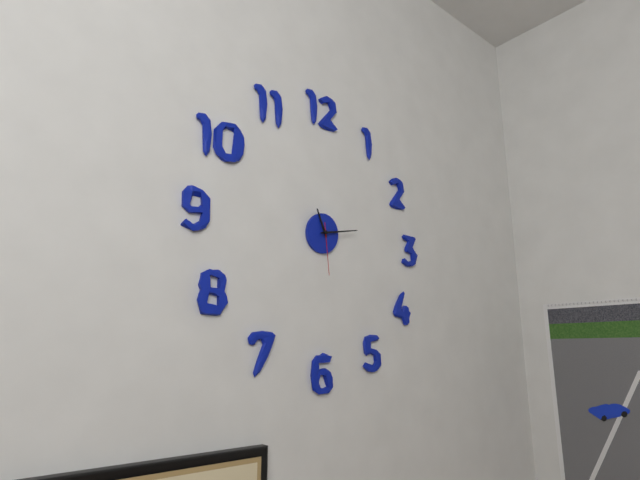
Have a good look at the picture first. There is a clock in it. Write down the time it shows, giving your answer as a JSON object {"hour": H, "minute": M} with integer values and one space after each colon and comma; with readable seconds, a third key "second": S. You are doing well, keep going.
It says {"hour": 11, "minute": 13, "second": 29}
